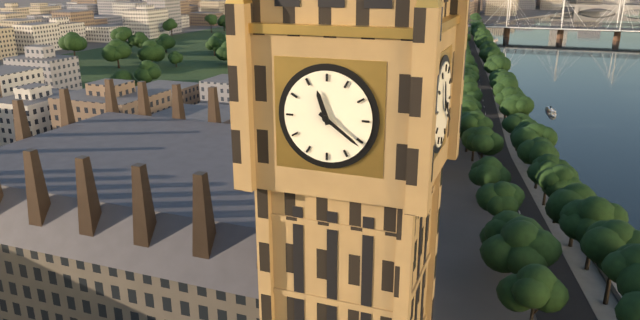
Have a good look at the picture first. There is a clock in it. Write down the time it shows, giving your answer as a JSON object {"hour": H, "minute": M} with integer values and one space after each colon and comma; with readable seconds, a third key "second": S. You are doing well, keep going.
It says {"hour": 11, "minute": 21}
